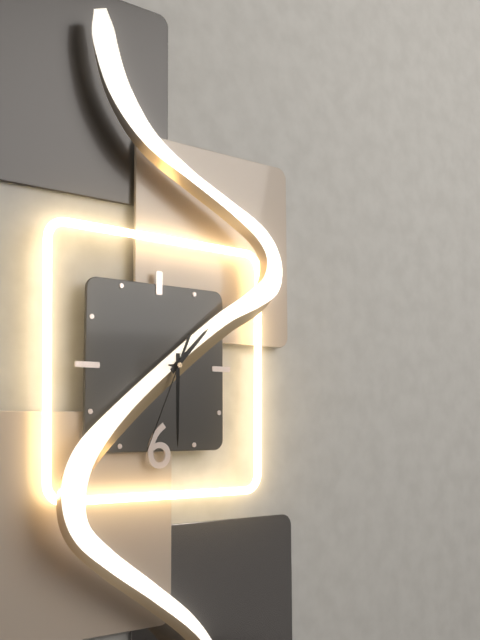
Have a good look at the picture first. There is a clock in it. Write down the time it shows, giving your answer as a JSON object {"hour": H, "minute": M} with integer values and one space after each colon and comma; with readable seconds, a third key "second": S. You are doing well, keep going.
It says {"hour": 1, "minute": 30, "second": 34}
